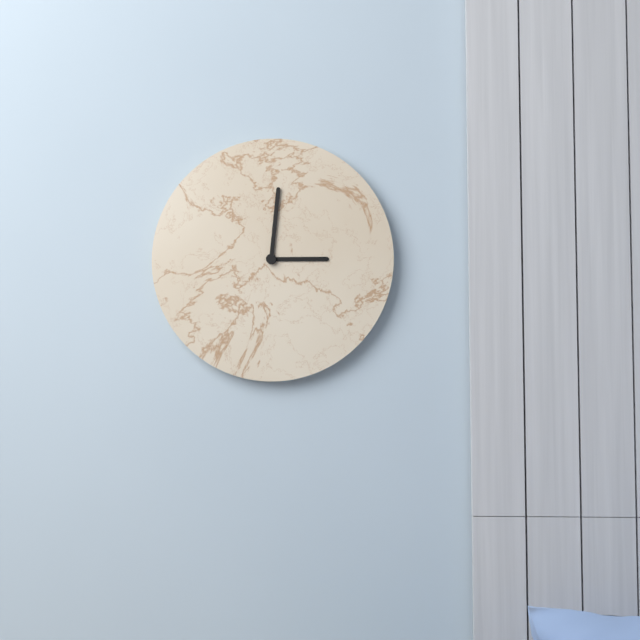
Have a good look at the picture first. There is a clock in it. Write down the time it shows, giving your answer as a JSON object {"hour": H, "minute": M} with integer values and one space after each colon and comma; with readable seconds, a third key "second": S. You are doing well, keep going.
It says {"hour": 3, "minute": 1}
